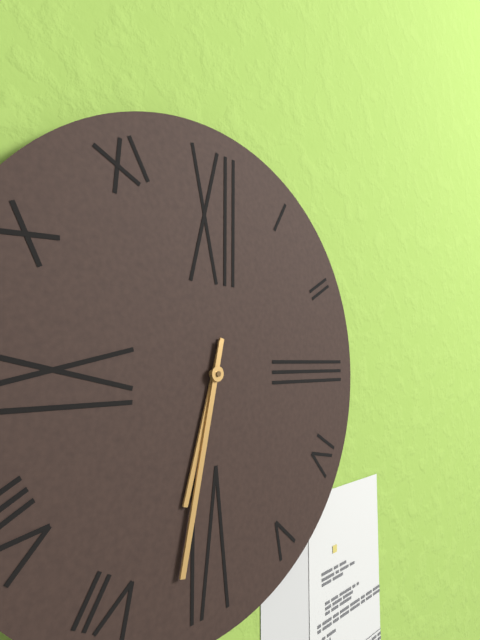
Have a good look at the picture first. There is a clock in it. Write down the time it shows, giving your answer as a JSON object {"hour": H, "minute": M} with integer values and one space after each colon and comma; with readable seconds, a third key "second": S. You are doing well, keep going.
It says {"hour": 6, "minute": 32}
